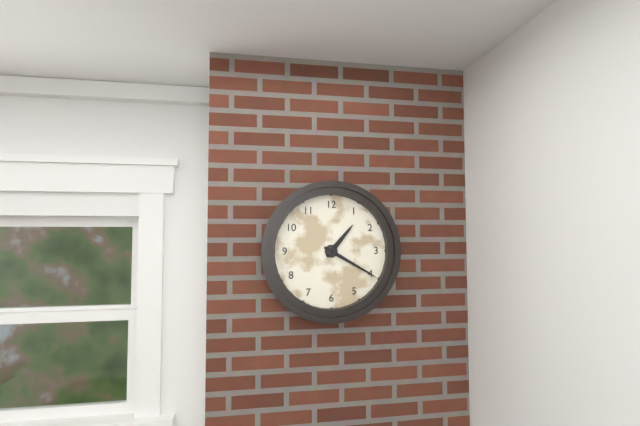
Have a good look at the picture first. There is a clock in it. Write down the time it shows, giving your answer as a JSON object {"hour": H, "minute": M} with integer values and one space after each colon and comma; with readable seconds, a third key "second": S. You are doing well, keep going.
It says {"hour": 1, "minute": 20}
